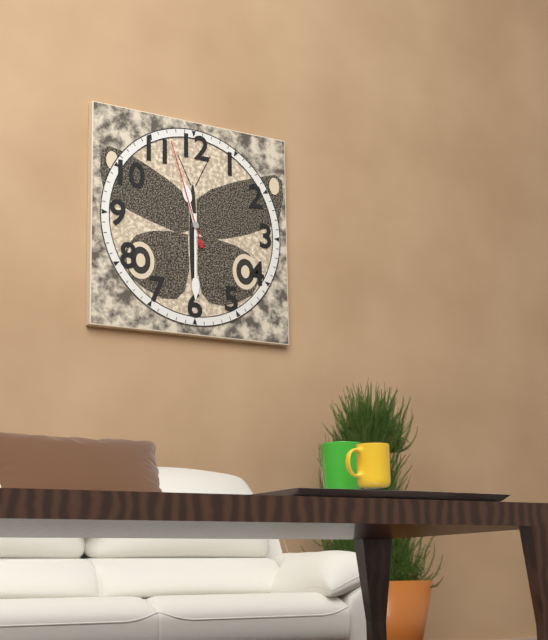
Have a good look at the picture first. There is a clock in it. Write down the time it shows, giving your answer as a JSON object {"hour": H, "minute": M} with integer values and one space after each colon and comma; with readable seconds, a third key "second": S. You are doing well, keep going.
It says {"hour": 11, "minute": 30, "second": 57}
